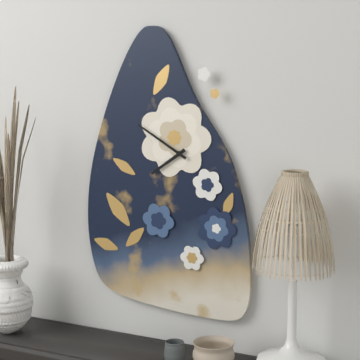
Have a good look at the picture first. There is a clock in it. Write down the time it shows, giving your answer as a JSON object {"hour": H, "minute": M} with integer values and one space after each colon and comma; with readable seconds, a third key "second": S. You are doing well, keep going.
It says {"hour": 7, "minute": 50}
